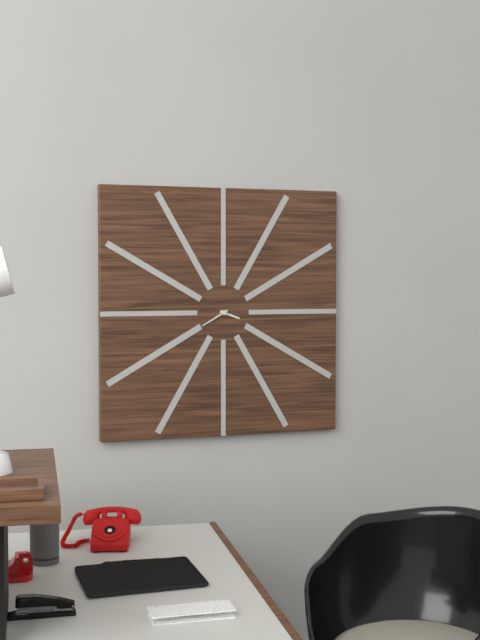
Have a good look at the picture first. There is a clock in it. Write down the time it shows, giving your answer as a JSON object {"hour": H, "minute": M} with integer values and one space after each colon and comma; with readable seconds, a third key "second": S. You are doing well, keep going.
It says {"hour": 3, "minute": 40}
